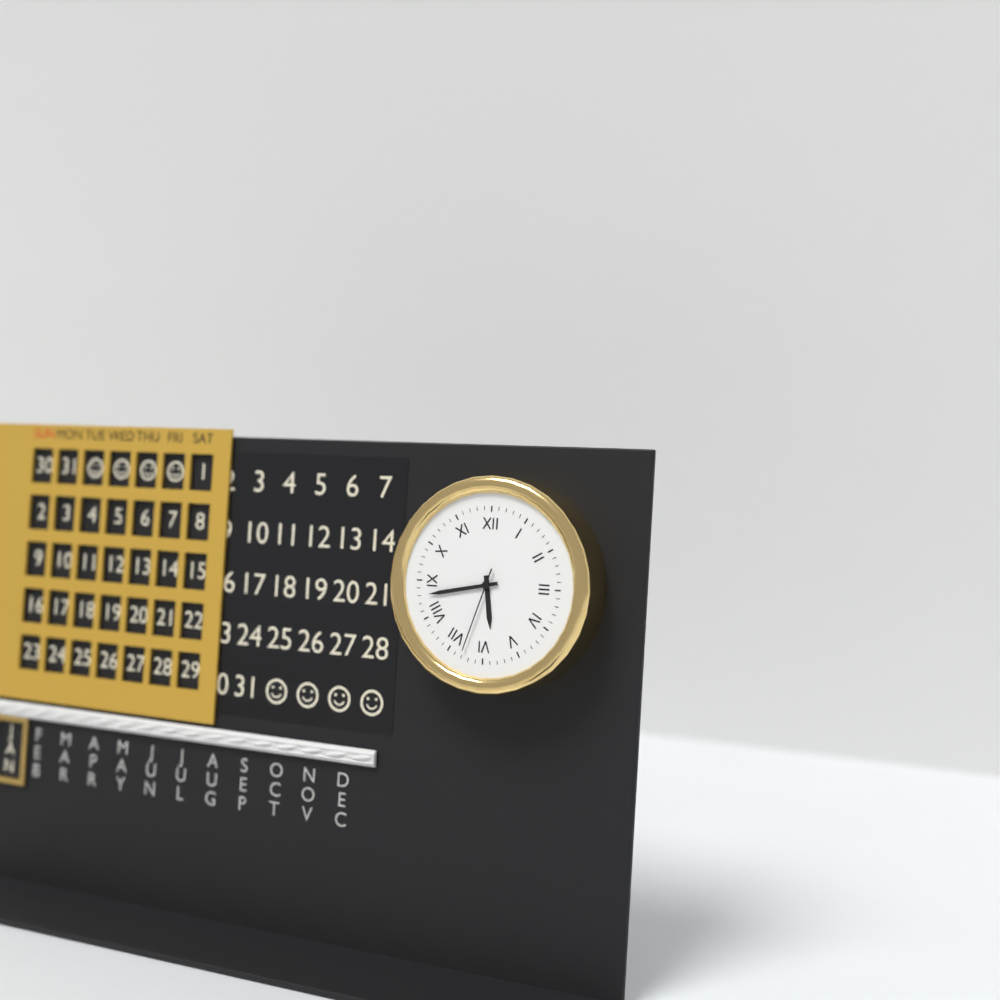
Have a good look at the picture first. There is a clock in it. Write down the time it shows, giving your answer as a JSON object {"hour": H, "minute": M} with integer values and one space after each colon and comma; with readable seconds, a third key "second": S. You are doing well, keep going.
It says {"hour": 5, "minute": 43, "second": 33}
